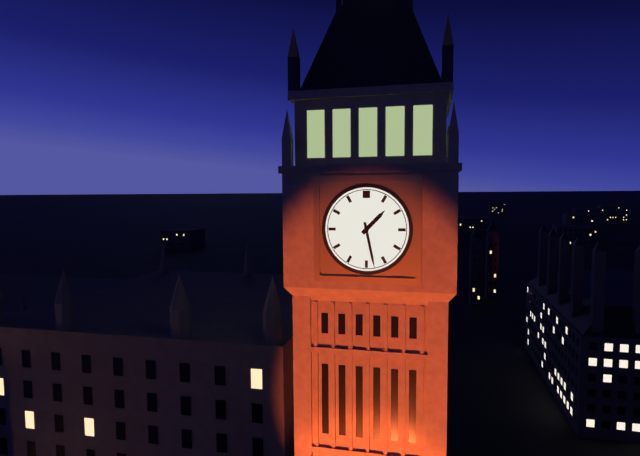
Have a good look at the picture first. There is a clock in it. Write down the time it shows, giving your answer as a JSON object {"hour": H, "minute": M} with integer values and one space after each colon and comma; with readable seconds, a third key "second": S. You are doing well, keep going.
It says {"hour": 1, "minute": 28}
